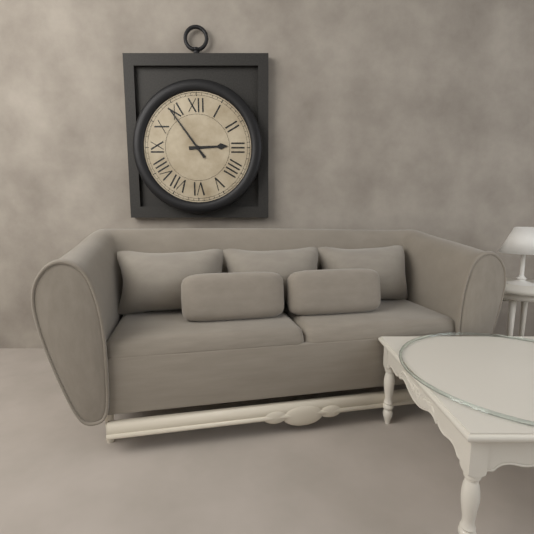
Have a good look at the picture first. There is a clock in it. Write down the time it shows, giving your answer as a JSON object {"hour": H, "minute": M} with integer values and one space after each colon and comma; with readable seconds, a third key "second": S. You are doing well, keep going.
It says {"hour": 2, "minute": 54}
